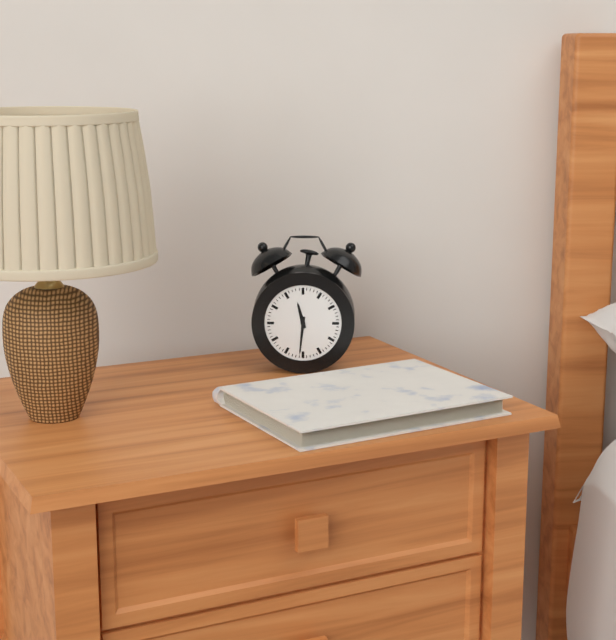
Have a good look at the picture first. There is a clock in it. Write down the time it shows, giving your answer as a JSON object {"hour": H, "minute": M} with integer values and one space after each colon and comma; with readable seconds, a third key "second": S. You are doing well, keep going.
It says {"hour": 11, "minute": 31}
